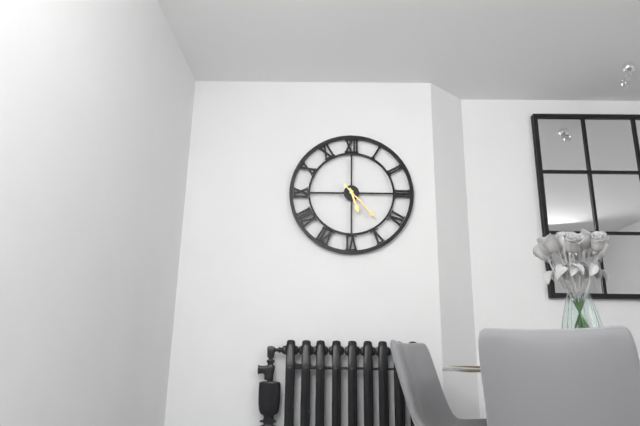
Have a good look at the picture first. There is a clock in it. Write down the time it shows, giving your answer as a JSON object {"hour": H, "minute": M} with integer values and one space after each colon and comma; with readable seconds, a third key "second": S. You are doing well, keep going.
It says {"hour": 5, "minute": 23}
